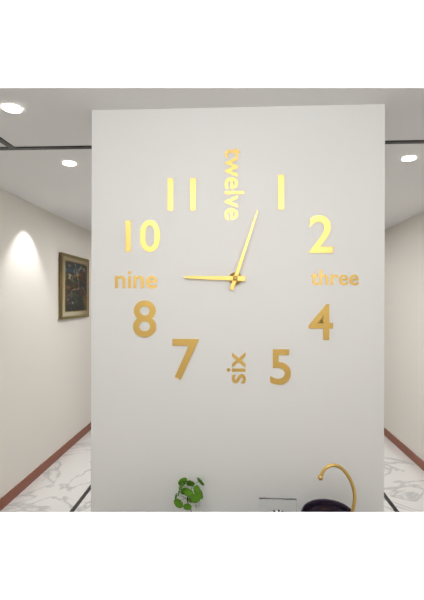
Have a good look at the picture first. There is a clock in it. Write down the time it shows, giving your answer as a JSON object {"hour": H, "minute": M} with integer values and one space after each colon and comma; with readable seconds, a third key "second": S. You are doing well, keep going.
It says {"hour": 9, "minute": 3}
